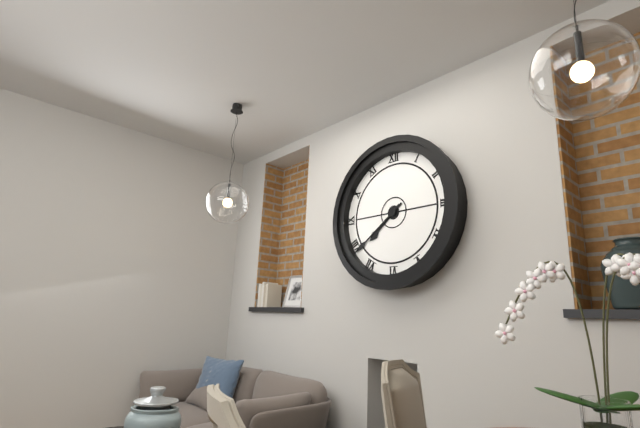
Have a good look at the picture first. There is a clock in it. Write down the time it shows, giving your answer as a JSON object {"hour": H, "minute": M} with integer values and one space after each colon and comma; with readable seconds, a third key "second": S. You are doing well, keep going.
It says {"hour": 7, "minute": 39}
